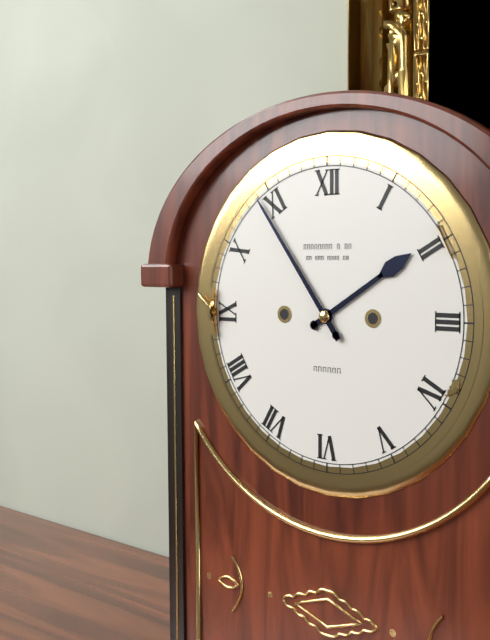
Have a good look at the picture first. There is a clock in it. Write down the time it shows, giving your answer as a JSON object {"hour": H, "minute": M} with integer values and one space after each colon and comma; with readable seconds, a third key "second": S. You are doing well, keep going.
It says {"hour": 1, "minute": 54}
